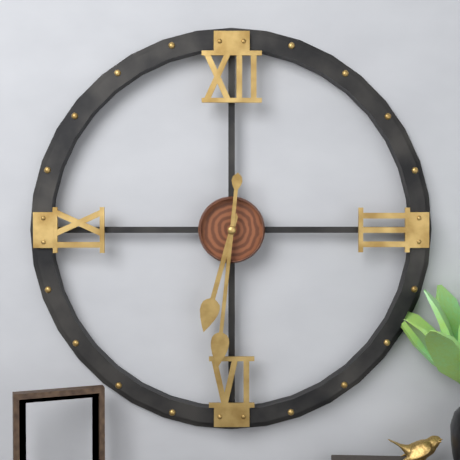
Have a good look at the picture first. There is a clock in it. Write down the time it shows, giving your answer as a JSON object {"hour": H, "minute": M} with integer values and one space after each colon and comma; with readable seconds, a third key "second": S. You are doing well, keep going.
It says {"hour": 6, "minute": 31}
